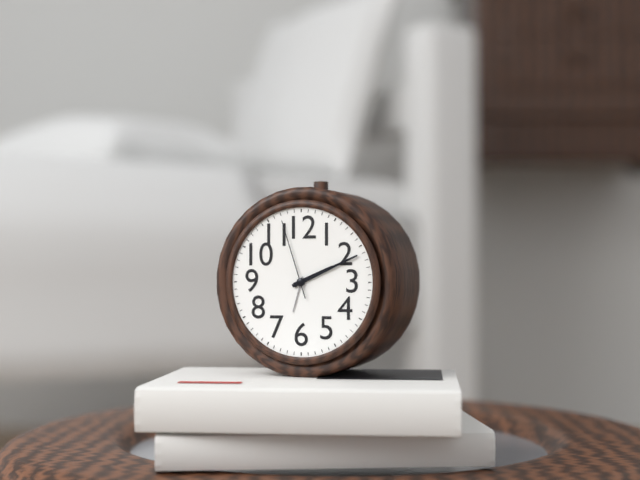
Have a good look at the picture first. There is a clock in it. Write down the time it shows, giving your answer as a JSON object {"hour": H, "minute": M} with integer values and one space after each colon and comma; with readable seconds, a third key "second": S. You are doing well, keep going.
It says {"hour": 2, "minute": 11, "second": 57}
